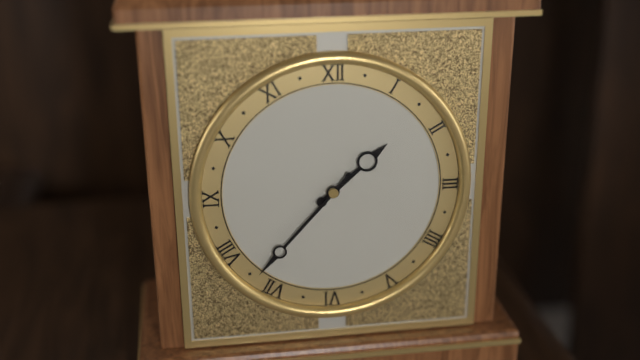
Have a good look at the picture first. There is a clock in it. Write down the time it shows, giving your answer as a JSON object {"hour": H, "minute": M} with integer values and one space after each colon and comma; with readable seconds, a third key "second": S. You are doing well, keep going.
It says {"hour": 1, "minute": 37}
